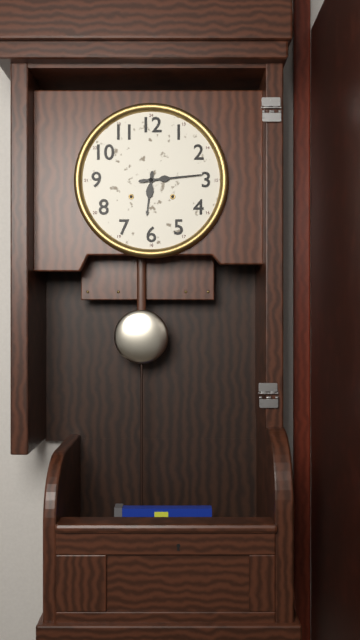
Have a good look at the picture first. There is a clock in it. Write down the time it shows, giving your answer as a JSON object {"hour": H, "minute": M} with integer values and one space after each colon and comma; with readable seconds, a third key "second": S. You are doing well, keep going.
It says {"hour": 6, "minute": 14}
